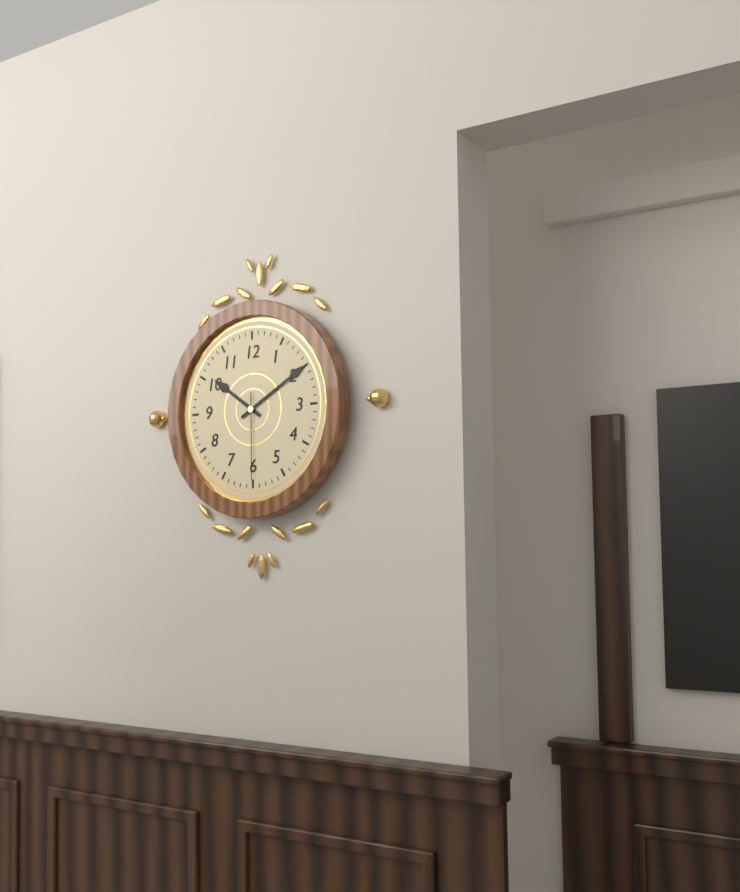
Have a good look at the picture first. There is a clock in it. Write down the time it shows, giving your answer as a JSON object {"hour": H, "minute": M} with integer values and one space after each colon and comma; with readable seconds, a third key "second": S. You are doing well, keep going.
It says {"hour": 10, "minute": 10, "second": 30}
